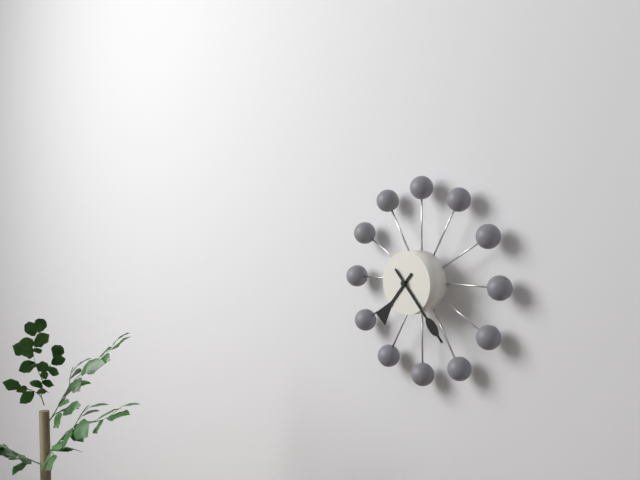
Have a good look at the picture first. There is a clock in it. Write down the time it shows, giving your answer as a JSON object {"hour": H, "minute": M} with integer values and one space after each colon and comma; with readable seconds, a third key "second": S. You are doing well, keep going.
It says {"hour": 7, "minute": 23}
